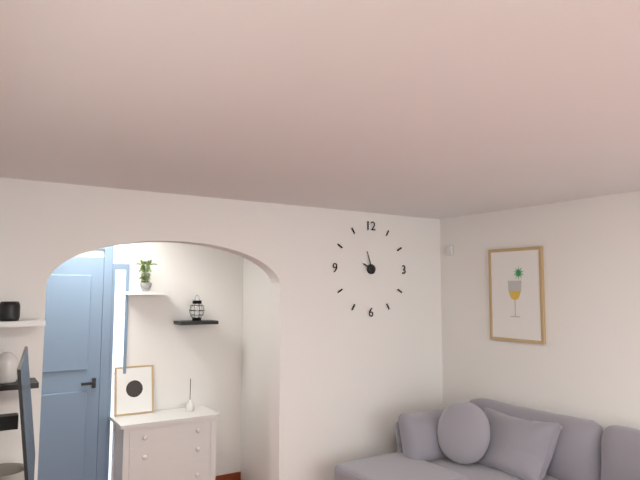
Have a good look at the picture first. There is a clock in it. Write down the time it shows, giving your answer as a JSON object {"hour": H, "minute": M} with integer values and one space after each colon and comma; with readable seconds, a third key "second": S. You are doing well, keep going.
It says {"hour": 9, "minute": 57}
